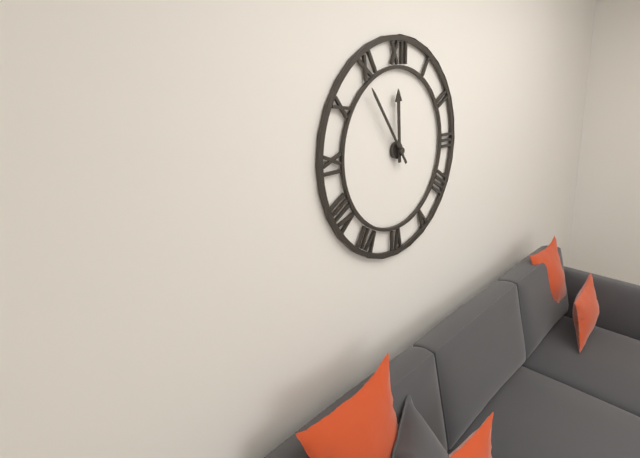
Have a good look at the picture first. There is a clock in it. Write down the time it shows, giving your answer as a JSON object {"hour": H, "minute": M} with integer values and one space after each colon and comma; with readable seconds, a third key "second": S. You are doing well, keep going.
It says {"hour": 11, "minute": 54}
